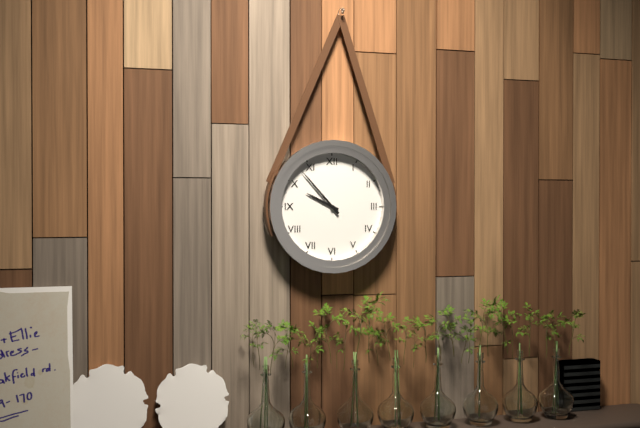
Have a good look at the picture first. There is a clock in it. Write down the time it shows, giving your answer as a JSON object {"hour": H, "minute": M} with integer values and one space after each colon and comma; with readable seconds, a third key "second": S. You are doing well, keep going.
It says {"hour": 9, "minute": 53}
